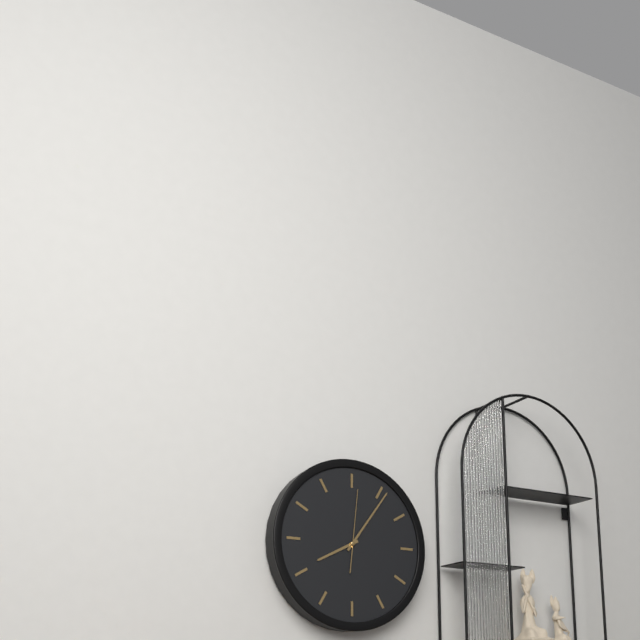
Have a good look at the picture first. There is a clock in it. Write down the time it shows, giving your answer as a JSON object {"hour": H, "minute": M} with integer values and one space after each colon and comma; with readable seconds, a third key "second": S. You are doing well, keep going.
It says {"hour": 8, "minute": 6, "second": 1}
